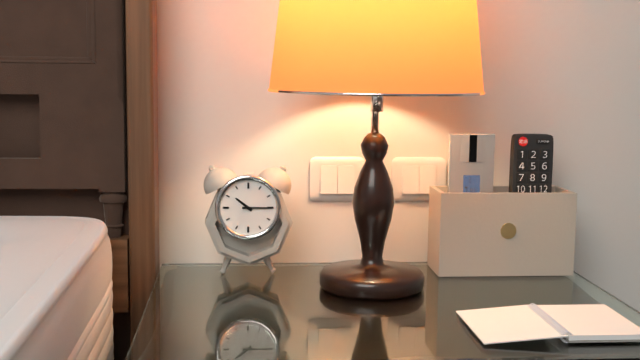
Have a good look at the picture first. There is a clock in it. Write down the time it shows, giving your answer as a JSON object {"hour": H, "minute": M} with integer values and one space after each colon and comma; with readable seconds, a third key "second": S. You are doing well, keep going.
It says {"hour": 10, "minute": 15}
